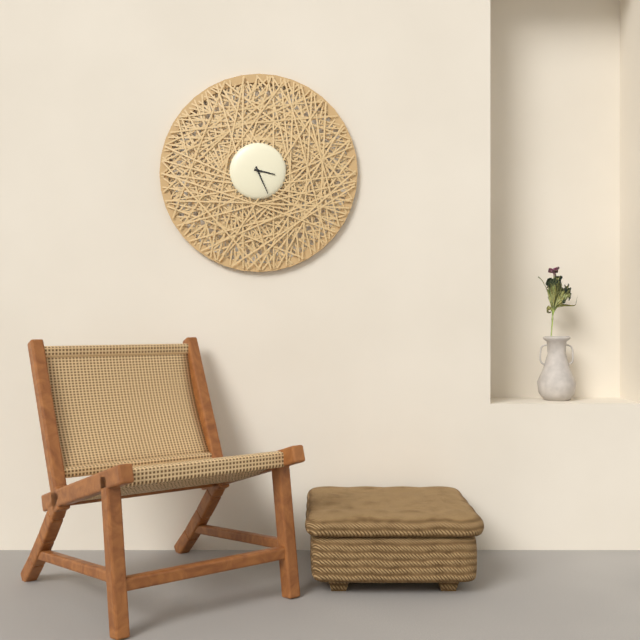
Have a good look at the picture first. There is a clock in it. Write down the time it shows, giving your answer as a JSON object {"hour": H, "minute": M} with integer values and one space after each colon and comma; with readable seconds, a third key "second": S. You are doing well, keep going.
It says {"hour": 3, "minute": 26}
